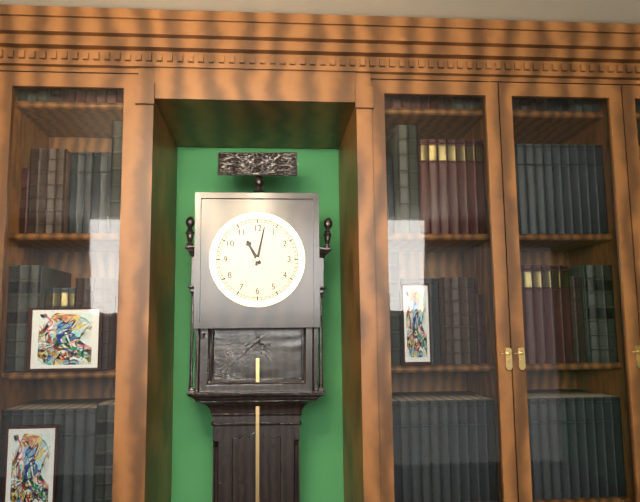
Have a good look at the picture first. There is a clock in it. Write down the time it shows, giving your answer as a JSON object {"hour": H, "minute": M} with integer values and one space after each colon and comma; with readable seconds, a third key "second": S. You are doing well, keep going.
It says {"hour": 11, "minute": 2}
